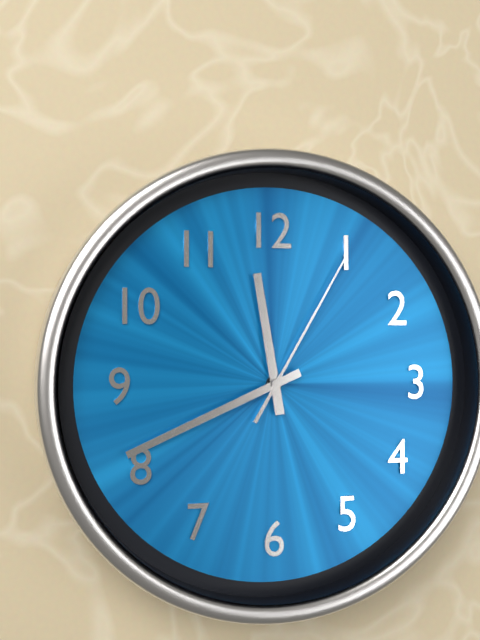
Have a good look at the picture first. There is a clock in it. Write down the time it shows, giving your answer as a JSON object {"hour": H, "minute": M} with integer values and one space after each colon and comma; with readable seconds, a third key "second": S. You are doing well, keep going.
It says {"hour": 11, "minute": 41, "second": 5}
